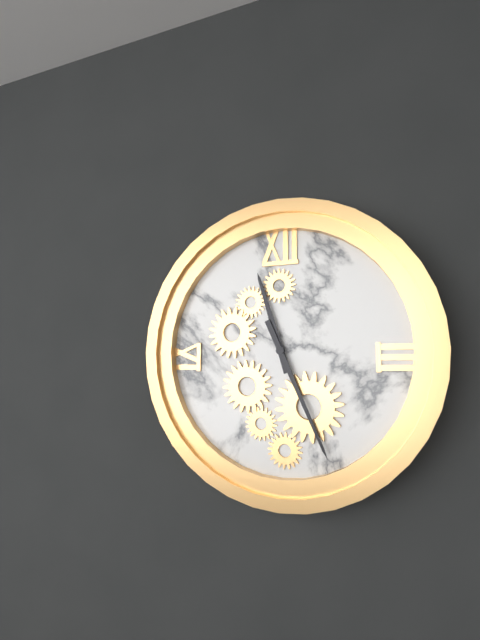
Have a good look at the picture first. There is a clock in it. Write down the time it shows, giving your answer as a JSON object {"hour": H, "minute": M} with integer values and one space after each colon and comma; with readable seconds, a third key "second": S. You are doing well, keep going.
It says {"hour": 11, "minute": 26}
